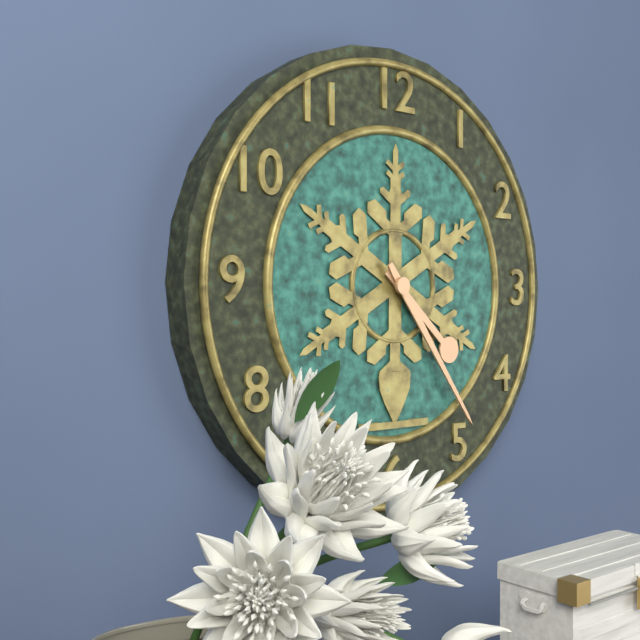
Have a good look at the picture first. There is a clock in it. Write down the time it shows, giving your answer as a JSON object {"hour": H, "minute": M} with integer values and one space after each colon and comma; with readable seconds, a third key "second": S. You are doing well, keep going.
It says {"hour": 4, "minute": 24}
